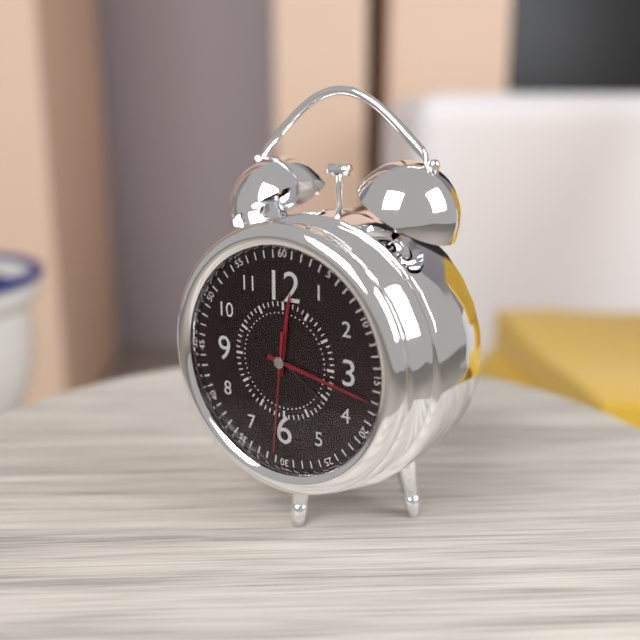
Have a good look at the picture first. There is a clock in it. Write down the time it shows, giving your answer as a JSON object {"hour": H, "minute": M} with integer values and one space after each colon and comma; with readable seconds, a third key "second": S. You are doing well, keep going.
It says {"hour": 12, "minute": 17, "second": 31}
